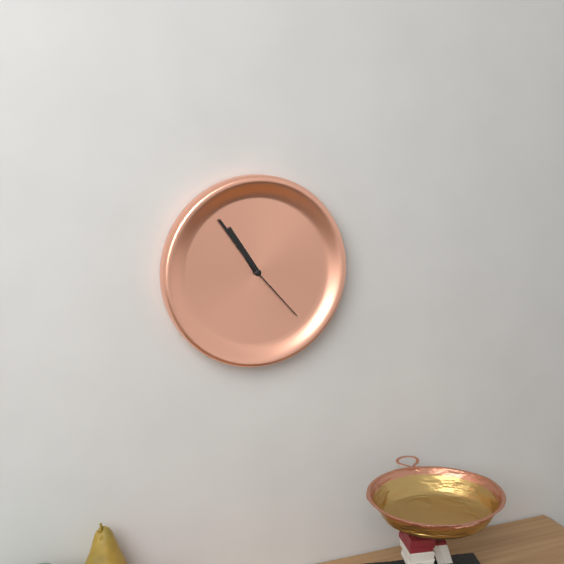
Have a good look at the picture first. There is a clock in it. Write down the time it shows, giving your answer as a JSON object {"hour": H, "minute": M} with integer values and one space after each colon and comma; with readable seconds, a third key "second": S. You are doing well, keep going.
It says {"hour": 10, "minute": 54, "second": 23}
